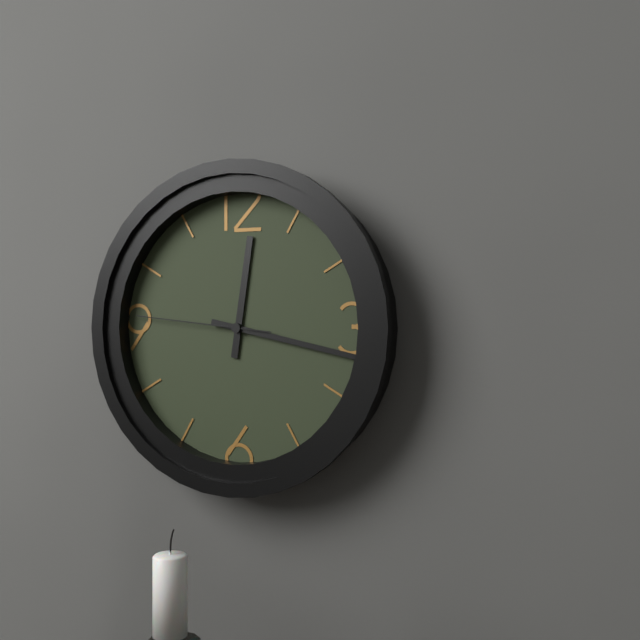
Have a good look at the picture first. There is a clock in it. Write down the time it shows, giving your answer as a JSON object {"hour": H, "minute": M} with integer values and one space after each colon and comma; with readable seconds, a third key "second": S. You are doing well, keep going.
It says {"hour": 12, "minute": 17, "second": 46}
